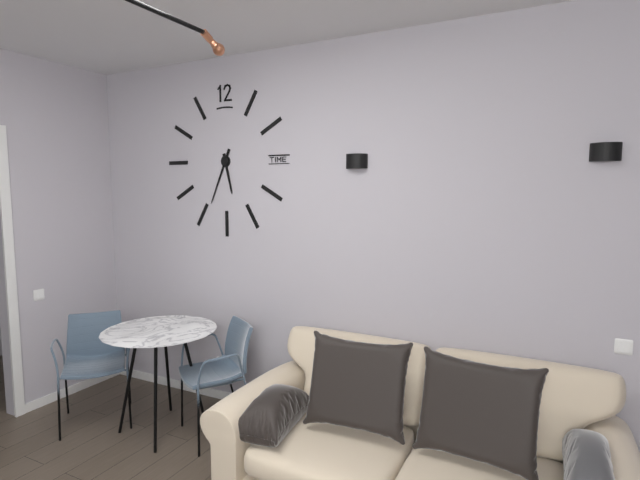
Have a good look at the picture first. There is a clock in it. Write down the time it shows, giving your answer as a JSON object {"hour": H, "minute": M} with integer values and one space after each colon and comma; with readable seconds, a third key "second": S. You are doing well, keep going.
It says {"hour": 5, "minute": 34}
